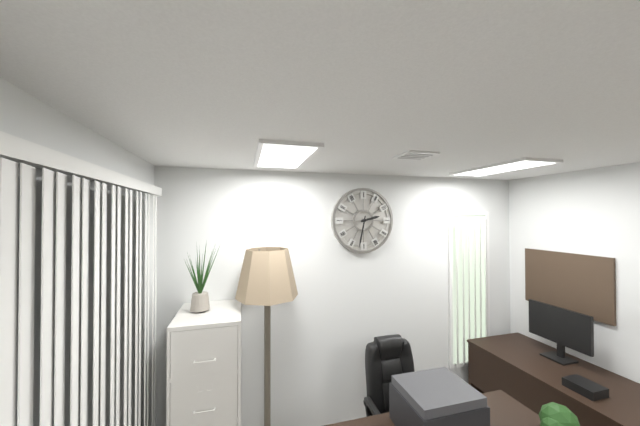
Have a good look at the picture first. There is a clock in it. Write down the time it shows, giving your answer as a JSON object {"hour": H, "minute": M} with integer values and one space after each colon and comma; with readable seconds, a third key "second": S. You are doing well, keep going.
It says {"hour": 2, "minute": 32}
